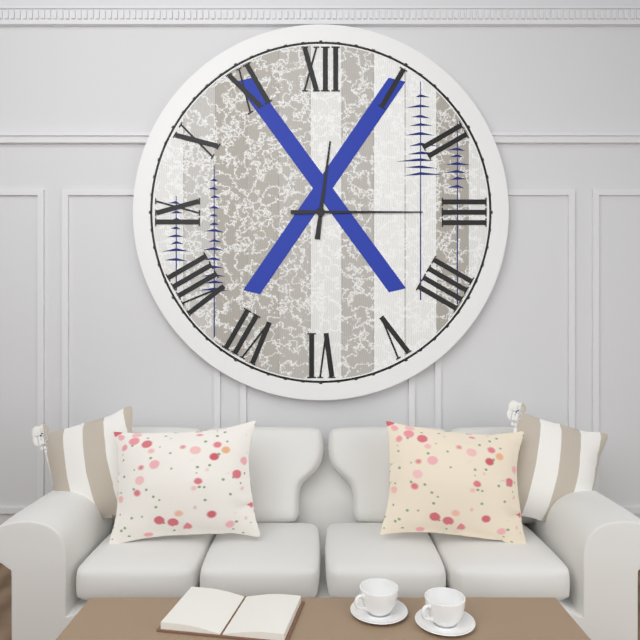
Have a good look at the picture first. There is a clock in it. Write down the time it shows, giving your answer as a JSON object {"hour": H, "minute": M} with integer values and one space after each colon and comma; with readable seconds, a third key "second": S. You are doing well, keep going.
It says {"hour": 12, "minute": 15}
